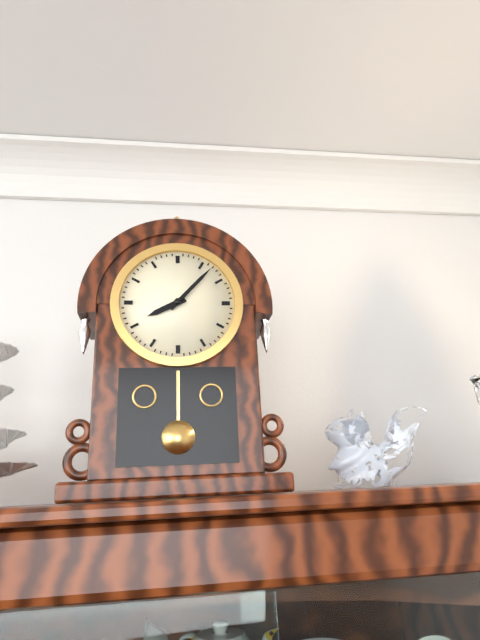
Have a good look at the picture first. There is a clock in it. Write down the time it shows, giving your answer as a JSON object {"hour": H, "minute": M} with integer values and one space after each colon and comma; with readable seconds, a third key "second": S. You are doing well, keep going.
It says {"hour": 8, "minute": 7}
